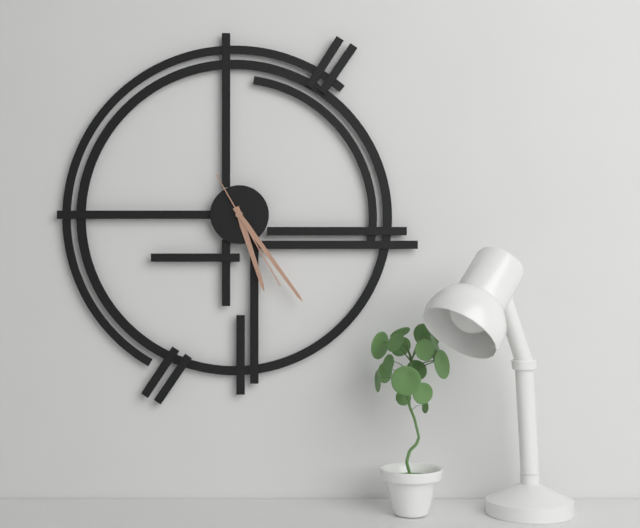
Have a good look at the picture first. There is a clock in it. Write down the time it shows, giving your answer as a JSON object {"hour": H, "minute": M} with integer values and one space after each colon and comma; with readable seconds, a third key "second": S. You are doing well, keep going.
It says {"hour": 5, "minute": 24, "second": 25}
